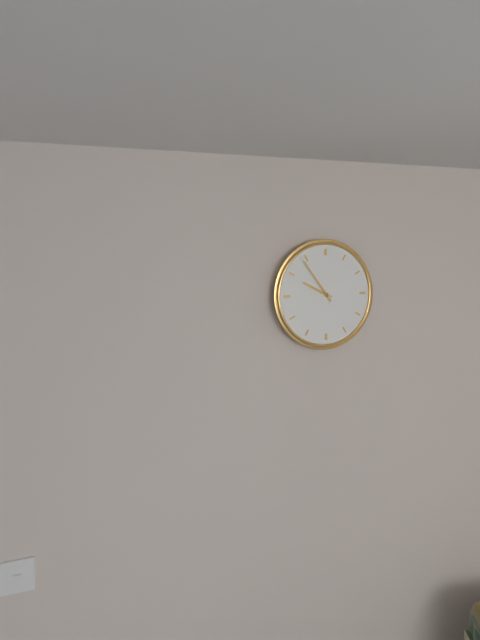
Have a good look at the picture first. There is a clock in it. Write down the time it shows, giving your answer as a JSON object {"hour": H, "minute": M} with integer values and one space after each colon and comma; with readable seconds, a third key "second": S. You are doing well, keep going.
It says {"hour": 9, "minute": 54}
